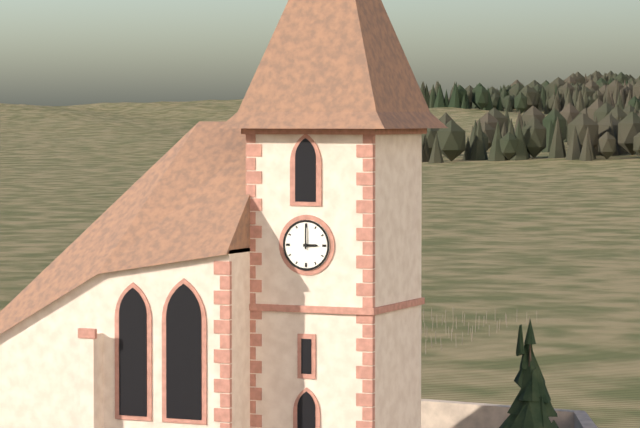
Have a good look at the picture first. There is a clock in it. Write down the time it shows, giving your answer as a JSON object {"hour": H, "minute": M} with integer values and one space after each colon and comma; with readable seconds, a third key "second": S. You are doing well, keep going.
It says {"hour": 3, "minute": 0}
